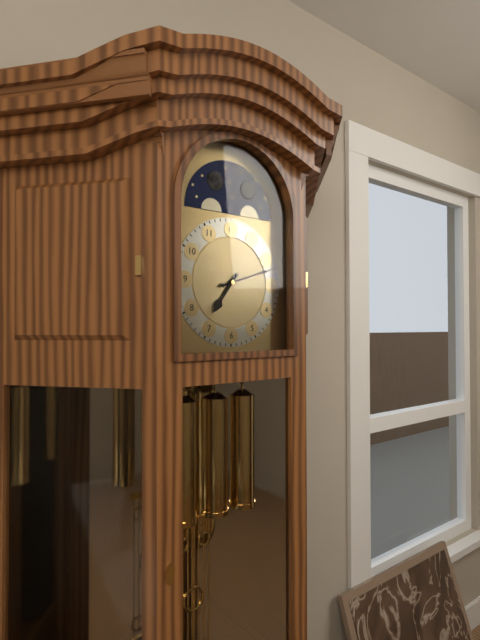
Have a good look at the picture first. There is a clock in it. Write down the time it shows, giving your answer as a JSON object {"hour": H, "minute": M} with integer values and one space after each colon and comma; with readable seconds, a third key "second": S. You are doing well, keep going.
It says {"hour": 7, "minute": 12}
